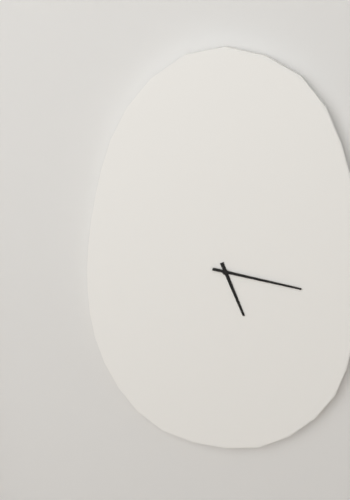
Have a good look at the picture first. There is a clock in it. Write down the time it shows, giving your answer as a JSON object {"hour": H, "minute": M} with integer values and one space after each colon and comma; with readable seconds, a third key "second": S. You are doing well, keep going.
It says {"hour": 5, "minute": 17}
